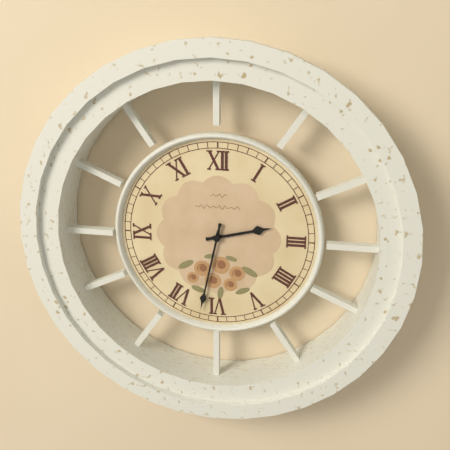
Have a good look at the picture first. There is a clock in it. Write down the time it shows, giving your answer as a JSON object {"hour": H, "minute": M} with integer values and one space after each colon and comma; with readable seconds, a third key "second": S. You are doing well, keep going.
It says {"hour": 2, "minute": 32}
